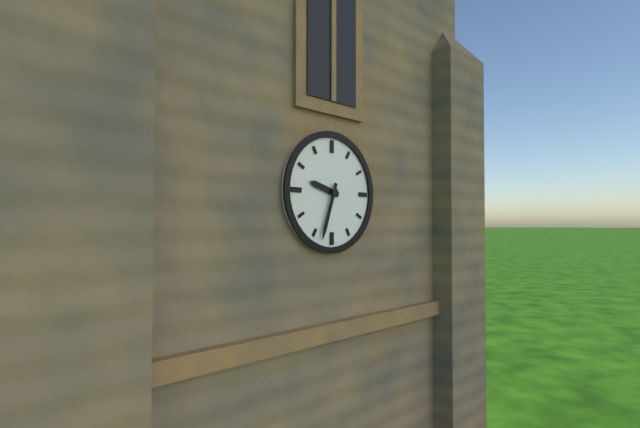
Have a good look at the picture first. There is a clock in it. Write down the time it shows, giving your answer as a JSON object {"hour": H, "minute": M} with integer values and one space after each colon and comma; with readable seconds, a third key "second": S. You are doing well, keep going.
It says {"hour": 9, "minute": 33}
